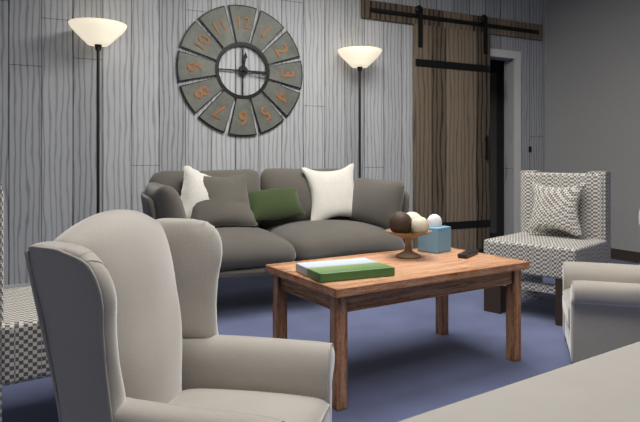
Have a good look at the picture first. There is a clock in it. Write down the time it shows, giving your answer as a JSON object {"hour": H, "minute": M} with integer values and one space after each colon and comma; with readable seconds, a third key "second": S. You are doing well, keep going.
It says {"hour": 12, "minute": 16}
